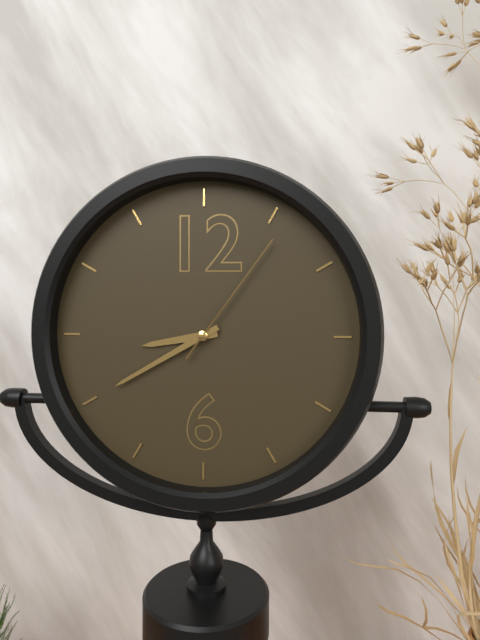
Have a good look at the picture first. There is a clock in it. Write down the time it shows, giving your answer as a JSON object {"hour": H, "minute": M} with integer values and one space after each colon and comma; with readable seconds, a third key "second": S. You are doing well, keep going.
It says {"hour": 8, "minute": 40, "second": 6}
